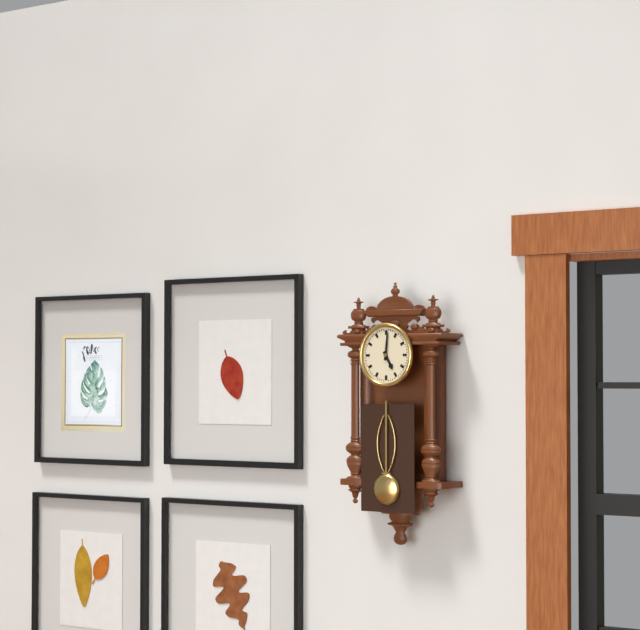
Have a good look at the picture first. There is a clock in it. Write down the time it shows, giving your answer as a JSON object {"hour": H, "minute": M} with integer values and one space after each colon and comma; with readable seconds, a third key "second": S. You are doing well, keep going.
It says {"hour": 5, "minute": 1}
